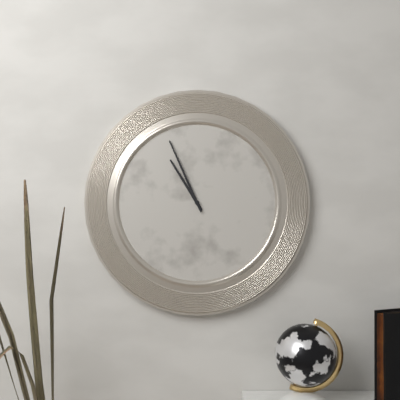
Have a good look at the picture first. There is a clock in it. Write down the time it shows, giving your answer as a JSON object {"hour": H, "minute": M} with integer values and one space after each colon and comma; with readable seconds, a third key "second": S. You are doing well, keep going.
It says {"hour": 10, "minute": 56}
